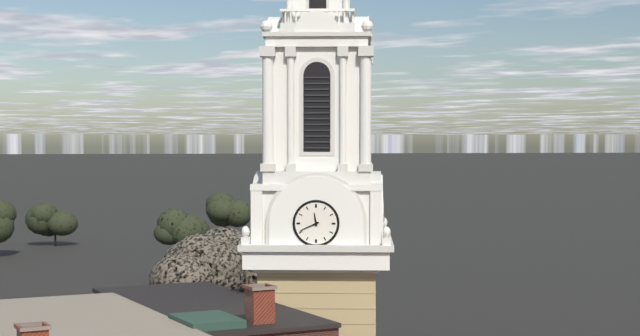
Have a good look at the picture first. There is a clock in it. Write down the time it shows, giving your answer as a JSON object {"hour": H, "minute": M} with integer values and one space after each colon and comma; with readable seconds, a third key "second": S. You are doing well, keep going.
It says {"hour": 11, "minute": 41}
